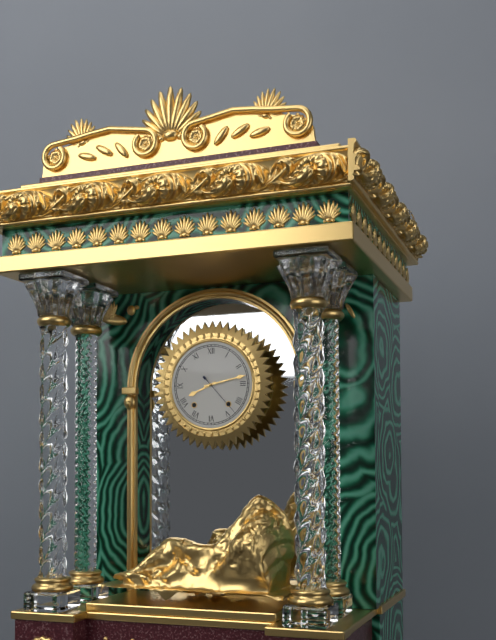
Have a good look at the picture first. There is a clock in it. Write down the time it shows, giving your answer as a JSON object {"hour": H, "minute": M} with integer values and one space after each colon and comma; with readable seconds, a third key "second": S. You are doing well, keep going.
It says {"hour": 8, "minute": 13}
